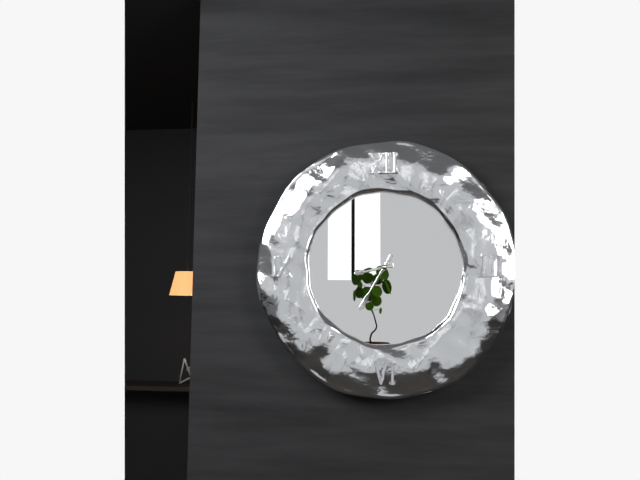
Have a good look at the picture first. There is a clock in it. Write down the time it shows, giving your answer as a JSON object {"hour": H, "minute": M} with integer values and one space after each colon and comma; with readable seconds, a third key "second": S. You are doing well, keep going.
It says {"hour": 8, "minute": 35}
